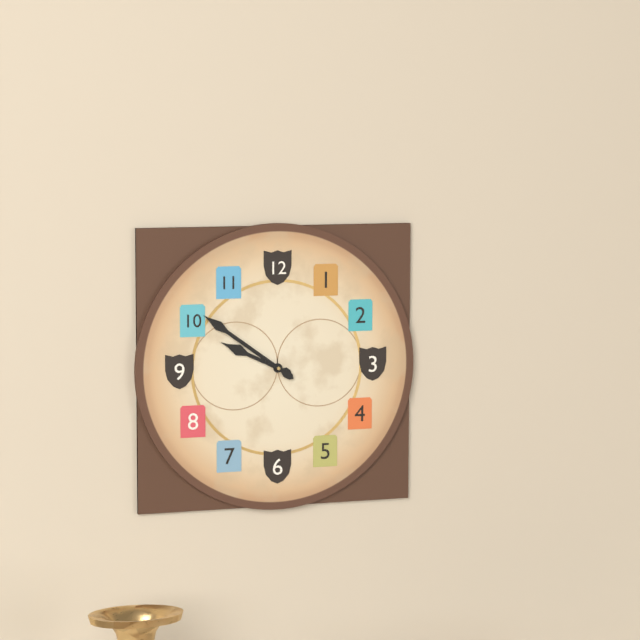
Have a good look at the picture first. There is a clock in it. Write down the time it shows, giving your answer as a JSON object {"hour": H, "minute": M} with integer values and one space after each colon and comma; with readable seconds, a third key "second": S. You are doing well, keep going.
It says {"hour": 9, "minute": 51}
